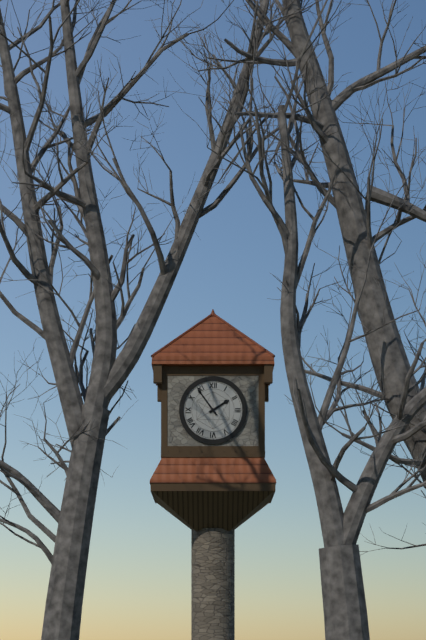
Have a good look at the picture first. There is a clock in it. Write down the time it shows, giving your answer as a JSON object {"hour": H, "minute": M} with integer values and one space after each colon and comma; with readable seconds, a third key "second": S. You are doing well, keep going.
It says {"hour": 1, "minute": 54}
